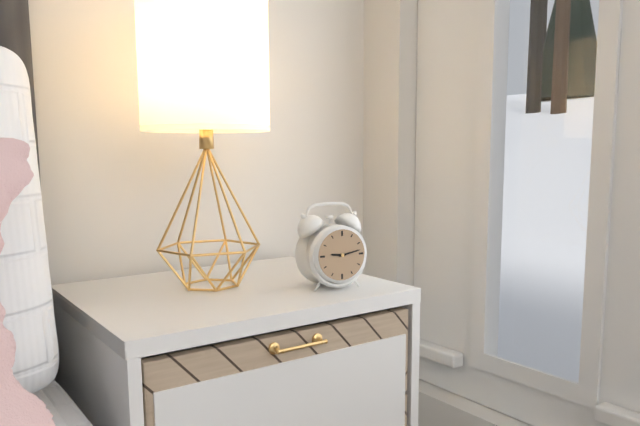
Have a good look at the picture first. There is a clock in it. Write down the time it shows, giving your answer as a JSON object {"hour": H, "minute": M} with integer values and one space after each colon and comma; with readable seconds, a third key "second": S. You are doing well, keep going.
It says {"hour": 9, "minute": 13}
